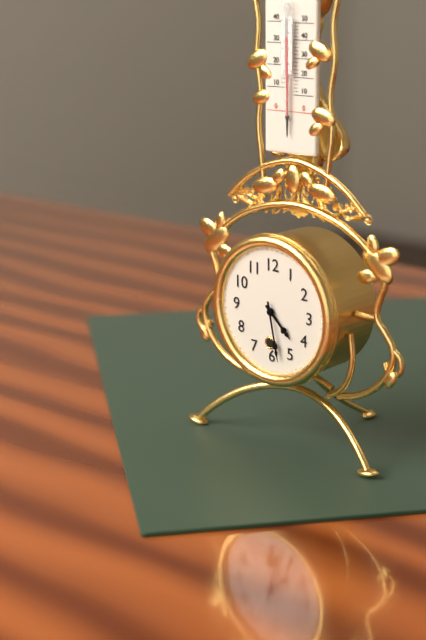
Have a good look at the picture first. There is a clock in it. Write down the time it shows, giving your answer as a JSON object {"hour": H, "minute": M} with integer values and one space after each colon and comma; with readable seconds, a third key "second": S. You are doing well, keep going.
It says {"hour": 4, "minute": 28}
